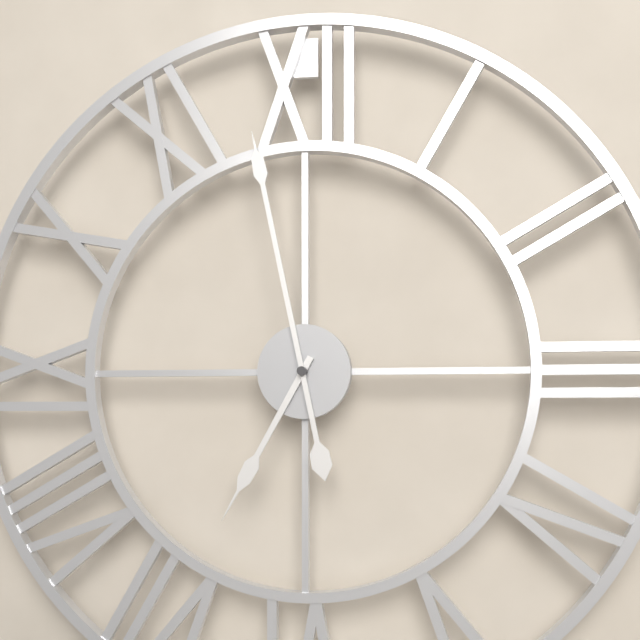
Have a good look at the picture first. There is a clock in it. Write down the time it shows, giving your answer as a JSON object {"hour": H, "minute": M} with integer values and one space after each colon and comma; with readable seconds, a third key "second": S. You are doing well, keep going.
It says {"hour": 6, "minute": 58}
